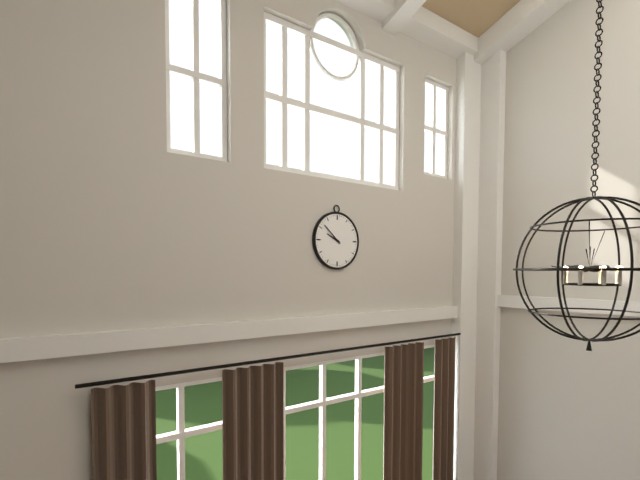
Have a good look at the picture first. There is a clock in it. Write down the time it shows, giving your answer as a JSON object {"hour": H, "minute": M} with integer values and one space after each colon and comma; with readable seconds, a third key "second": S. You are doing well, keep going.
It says {"hour": 9, "minute": 52}
